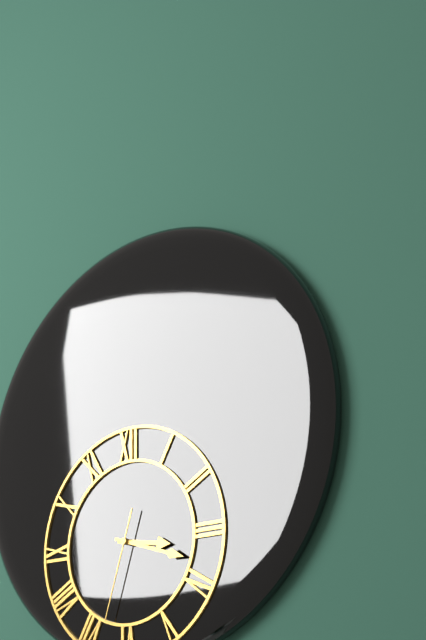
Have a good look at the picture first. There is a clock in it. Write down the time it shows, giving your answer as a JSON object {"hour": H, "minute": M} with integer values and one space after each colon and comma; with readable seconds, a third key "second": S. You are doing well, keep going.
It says {"hour": 3, "minute": 18, "second": 33}
